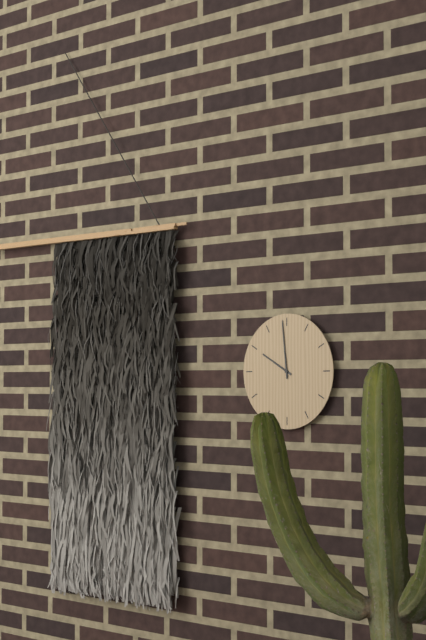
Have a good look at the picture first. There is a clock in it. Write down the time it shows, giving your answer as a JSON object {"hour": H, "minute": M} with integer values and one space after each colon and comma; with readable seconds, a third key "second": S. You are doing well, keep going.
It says {"hour": 9, "minute": 59}
